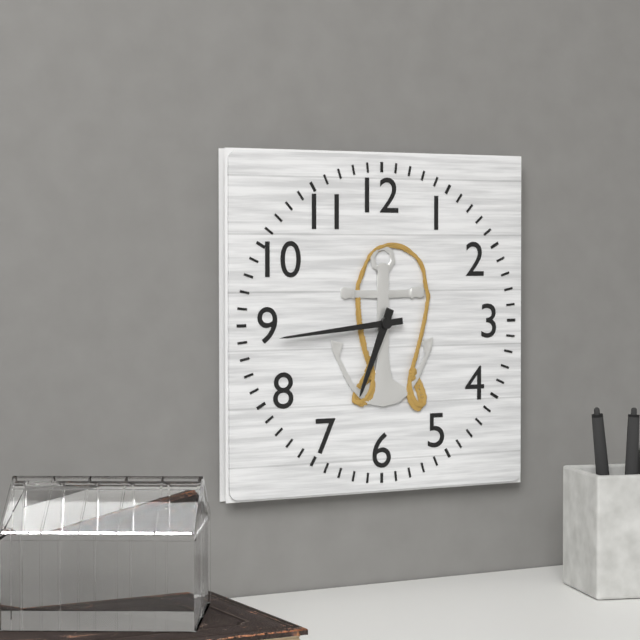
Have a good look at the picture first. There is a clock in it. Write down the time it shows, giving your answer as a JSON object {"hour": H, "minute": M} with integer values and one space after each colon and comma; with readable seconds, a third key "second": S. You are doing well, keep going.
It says {"hour": 6, "minute": 44}
